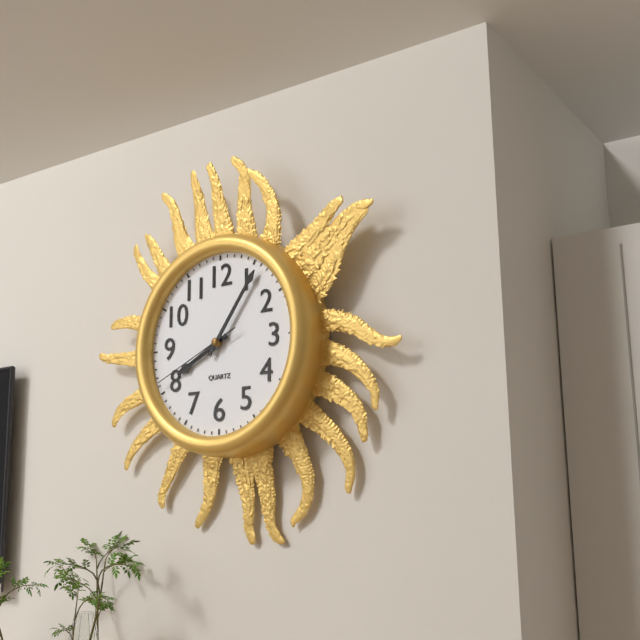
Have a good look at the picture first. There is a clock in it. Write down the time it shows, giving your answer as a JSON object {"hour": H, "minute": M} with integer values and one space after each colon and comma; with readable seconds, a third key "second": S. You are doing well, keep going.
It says {"hour": 8, "minute": 6, "second": 41}
